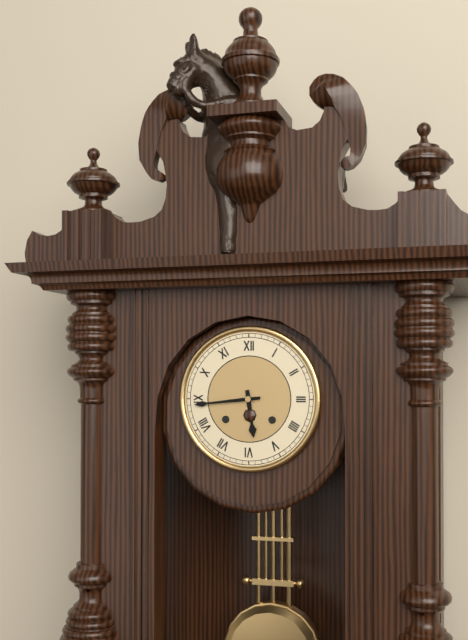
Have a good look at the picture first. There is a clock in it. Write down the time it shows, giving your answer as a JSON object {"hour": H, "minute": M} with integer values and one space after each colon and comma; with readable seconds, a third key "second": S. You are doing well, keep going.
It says {"hour": 5, "minute": 44}
